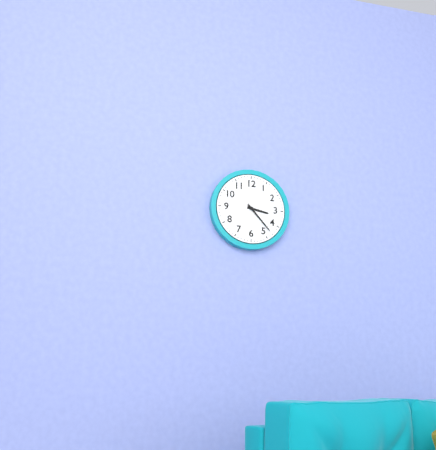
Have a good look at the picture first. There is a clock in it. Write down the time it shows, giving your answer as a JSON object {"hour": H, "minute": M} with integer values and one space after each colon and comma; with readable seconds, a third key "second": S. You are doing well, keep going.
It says {"hour": 3, "minute": 23}
